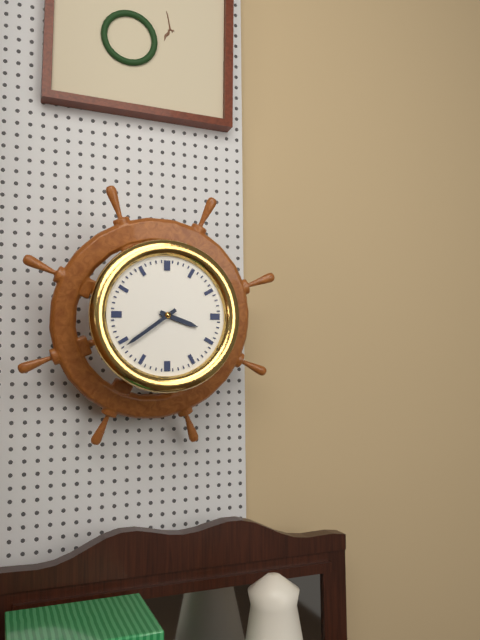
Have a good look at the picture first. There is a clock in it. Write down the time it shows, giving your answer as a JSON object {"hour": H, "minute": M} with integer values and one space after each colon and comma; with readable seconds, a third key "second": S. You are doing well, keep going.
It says {"hour": 3, "minute": 39}
